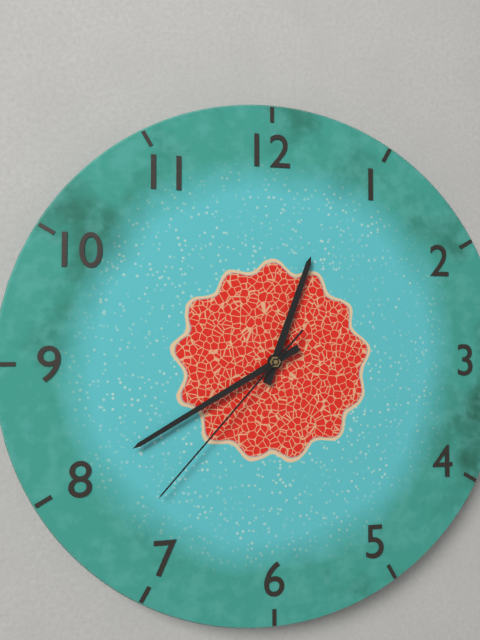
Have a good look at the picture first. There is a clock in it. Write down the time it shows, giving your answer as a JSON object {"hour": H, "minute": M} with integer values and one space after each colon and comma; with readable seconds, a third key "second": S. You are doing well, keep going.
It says {"hour": 12, "minute": 40, "second": 37}
